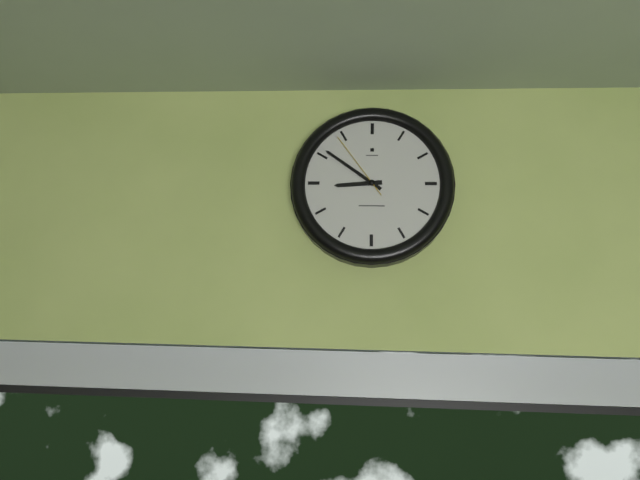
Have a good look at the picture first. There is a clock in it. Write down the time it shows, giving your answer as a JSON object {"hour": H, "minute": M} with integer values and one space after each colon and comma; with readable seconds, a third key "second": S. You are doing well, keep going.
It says {"hour": 8, "minute": 51, "second": 54}
